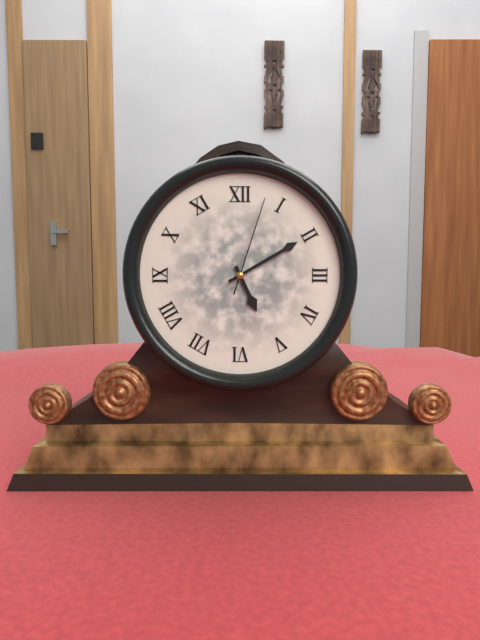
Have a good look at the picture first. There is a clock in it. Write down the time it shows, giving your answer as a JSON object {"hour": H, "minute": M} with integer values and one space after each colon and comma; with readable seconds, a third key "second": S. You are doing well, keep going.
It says {"hour": 5, "minute": 10, "second": 3}
